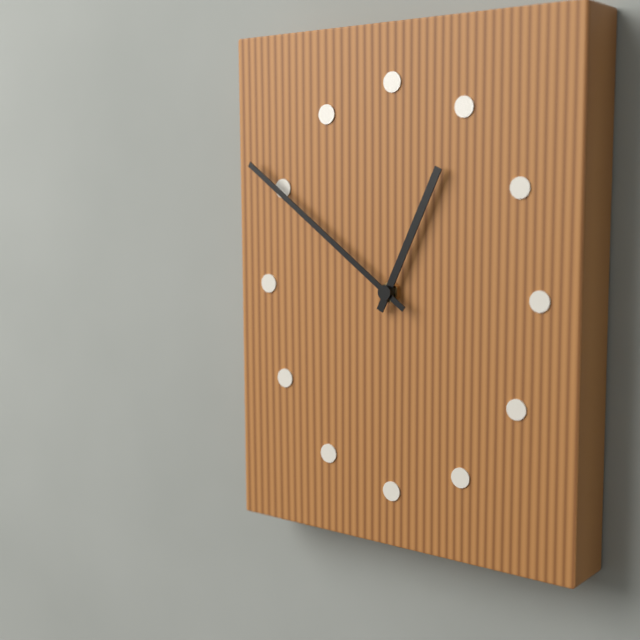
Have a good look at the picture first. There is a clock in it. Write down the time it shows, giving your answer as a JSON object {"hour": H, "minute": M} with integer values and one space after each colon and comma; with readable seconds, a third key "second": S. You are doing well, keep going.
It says {"hour": 12, "minute": 51}
